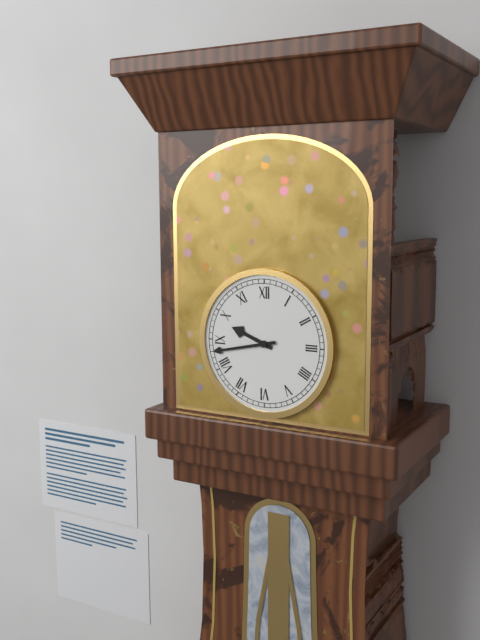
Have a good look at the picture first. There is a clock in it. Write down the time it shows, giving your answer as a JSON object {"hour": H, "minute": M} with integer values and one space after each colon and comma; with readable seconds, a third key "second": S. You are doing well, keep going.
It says {"hour": 9, "minute": 43}
